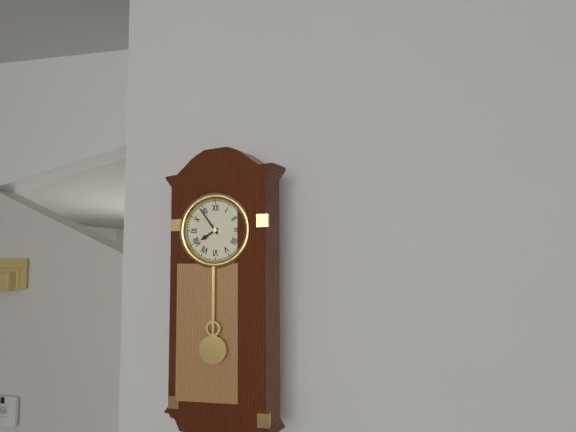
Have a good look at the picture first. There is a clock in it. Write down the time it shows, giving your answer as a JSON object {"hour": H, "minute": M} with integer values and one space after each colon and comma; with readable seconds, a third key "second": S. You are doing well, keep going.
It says {"hour": 7, "minute": 54}
